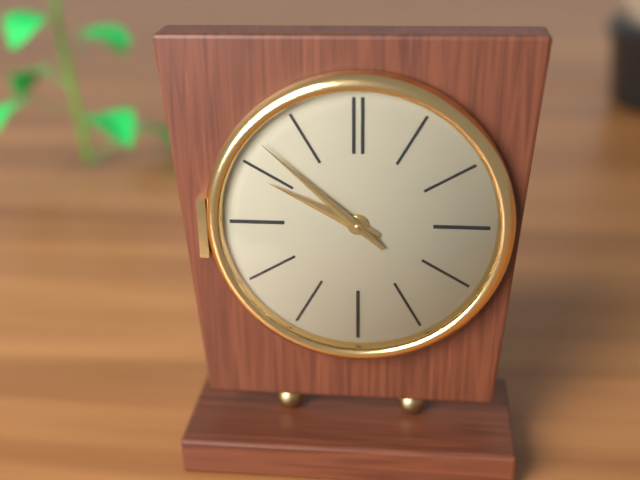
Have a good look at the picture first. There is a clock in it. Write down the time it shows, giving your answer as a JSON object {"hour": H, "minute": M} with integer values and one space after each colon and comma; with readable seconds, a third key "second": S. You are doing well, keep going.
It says {"hour": 9, "minute": 52}
